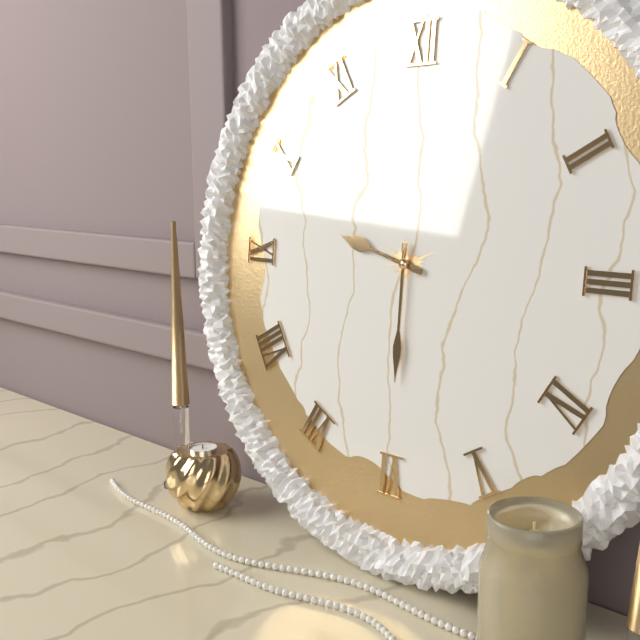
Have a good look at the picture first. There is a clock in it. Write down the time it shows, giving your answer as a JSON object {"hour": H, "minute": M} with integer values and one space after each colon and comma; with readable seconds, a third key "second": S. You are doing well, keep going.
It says {"hour": 9, "minute": 30}
